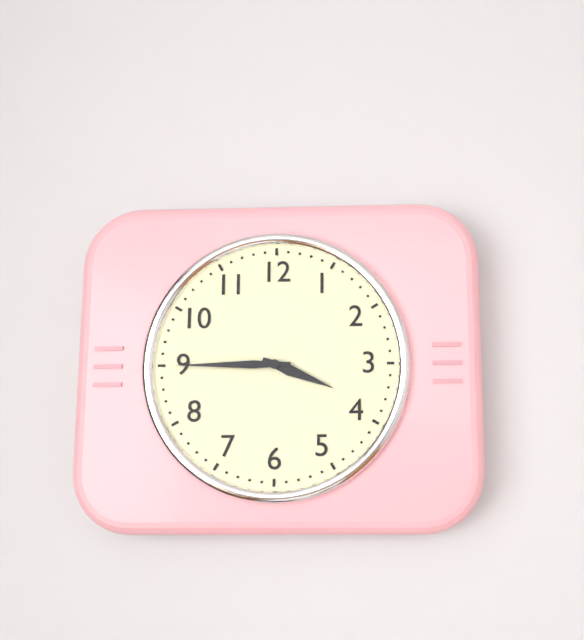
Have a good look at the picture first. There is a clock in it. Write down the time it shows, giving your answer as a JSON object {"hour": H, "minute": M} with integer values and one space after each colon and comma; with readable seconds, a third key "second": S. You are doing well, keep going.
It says {"hour": 3, "minute": 45}
